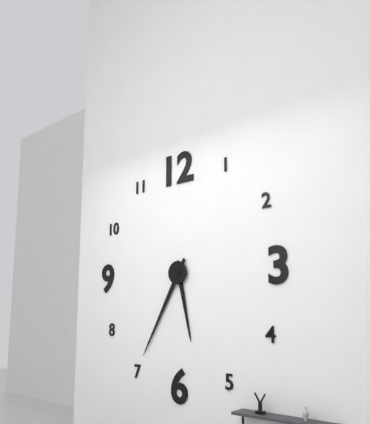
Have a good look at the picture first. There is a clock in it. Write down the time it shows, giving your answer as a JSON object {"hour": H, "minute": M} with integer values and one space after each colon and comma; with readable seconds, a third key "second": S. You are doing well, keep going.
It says {"hour": 5, "minute": 35}
